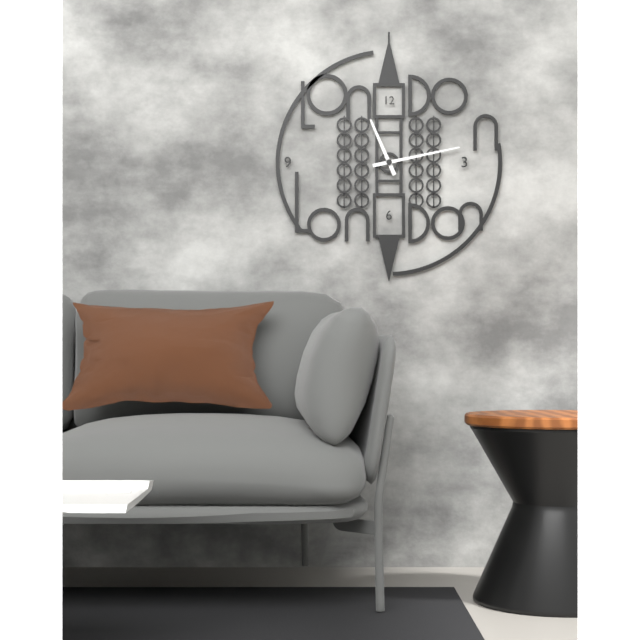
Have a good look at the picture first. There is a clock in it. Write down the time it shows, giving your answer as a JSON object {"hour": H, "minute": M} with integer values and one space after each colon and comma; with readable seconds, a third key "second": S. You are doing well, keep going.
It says {"hour": 11, "minute": 13}
